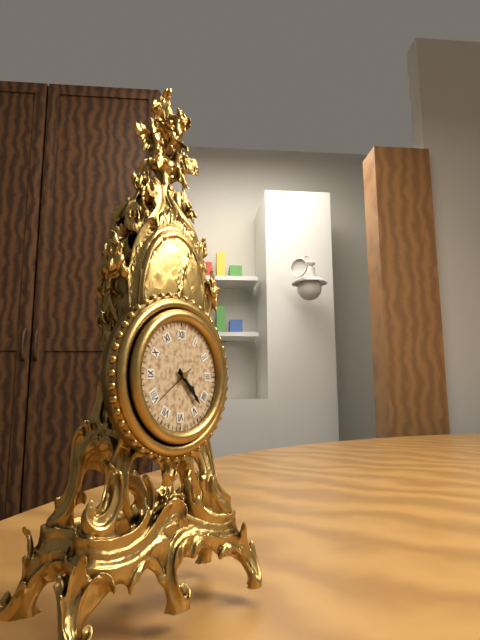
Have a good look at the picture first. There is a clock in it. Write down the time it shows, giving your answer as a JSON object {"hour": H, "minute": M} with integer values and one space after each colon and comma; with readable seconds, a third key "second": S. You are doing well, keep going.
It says {"hour": 4, "minute": 23}
